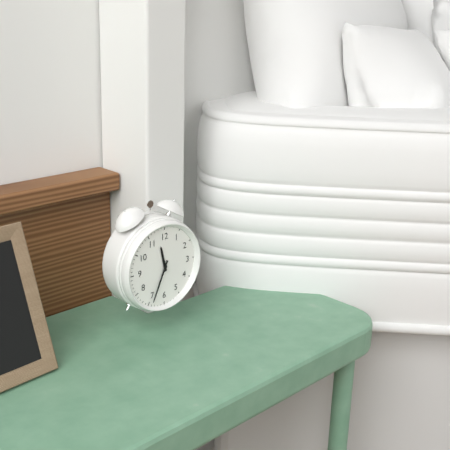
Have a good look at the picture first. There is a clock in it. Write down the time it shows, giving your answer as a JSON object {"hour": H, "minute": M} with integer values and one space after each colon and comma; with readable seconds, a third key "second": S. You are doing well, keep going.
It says {"hour": 11, "minute": 34}
